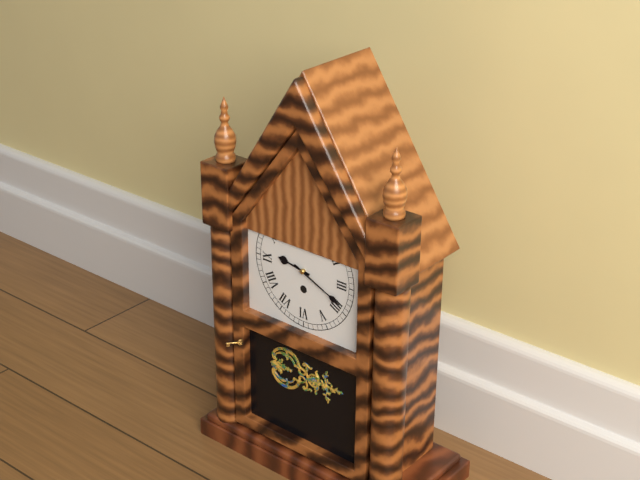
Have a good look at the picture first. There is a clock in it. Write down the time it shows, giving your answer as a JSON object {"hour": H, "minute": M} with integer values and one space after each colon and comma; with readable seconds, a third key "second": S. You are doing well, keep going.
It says {"hour": 9, "minute": 19}
